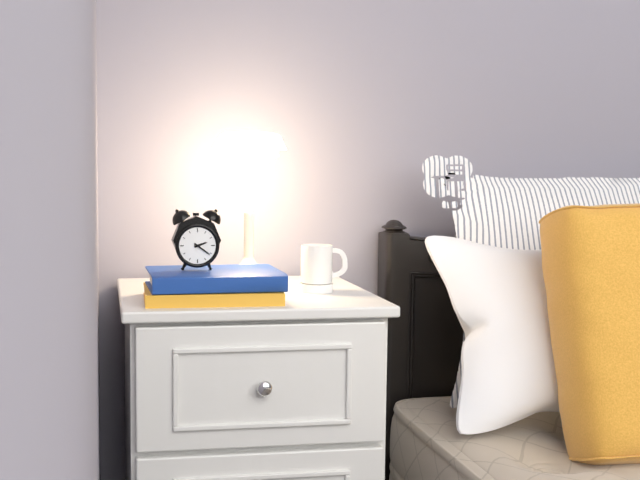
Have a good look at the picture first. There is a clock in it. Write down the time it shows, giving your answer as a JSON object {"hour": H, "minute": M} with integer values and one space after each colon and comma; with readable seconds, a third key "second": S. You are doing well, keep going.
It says {"hour": 2, "minute": 21}
